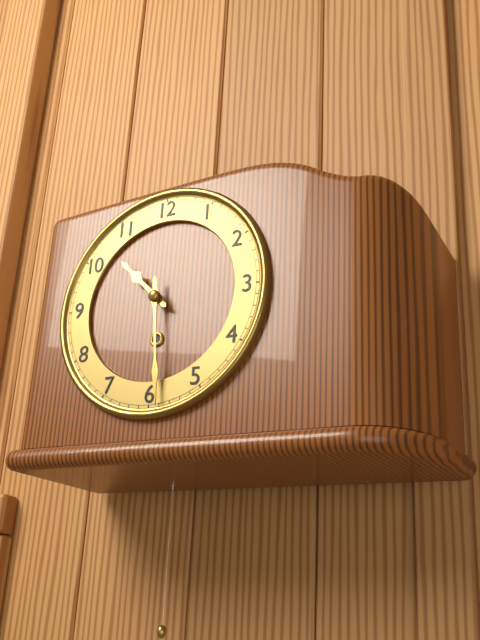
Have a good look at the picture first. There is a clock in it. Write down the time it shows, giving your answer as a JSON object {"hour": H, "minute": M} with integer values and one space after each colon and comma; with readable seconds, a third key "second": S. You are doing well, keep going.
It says {"hour": 10, "minute": 29}
